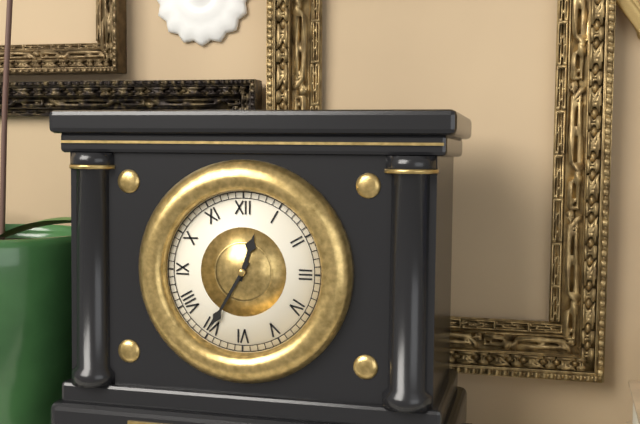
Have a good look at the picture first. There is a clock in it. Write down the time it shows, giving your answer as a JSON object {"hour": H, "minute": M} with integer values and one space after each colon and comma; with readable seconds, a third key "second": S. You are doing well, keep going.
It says {"hour": 12, "minute": 35}
